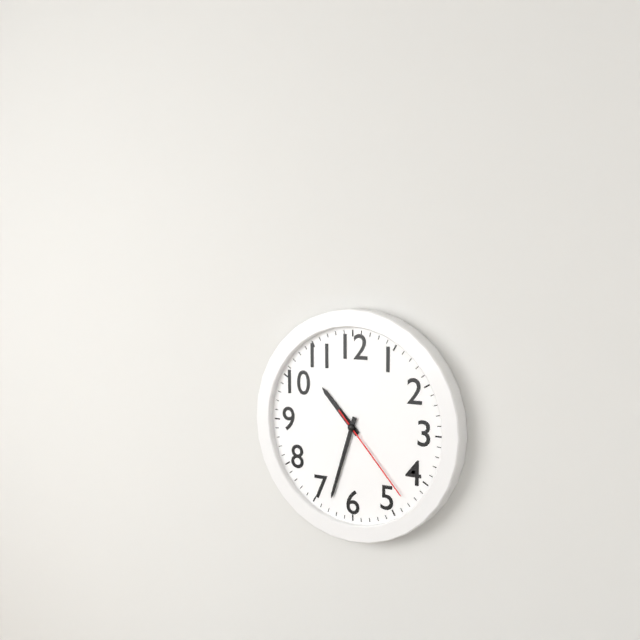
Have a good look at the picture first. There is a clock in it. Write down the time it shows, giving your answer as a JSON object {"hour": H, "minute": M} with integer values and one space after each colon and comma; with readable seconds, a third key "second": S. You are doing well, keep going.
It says {"hour": 10, "minute": 33, "second": 23}
